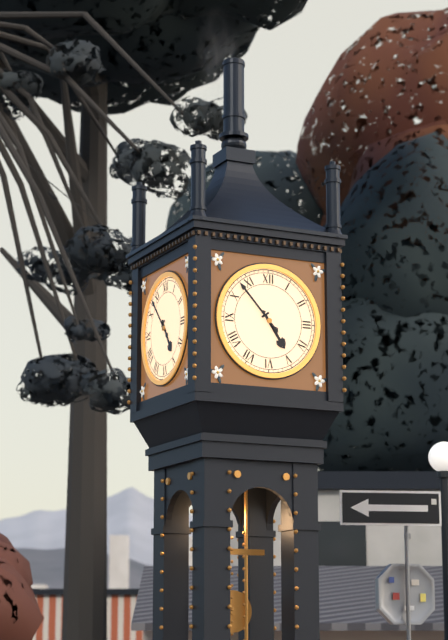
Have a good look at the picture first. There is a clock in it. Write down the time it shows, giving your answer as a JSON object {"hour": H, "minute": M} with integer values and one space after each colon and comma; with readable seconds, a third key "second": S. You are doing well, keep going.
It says {"hour": 4, "minute": 53}
